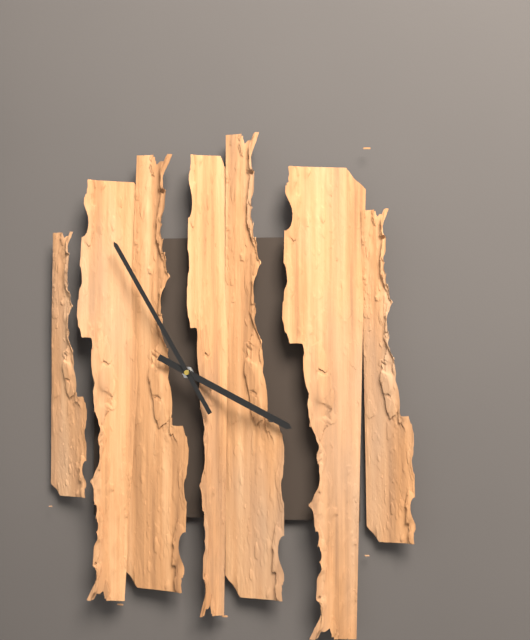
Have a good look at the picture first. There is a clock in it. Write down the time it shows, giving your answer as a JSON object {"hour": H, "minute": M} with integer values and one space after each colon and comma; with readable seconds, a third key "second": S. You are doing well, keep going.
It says {"hour": 3, "minute": 55}
